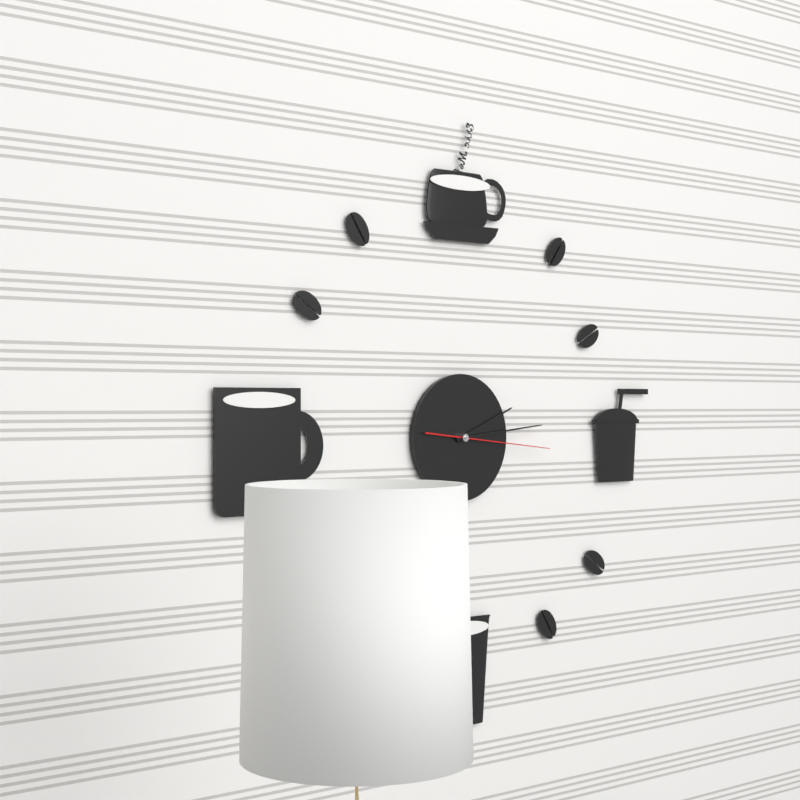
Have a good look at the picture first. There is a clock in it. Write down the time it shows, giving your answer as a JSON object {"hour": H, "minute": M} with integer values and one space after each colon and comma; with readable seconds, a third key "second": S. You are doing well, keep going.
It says {"hour": 2, "minute": 14, "second": 16}
